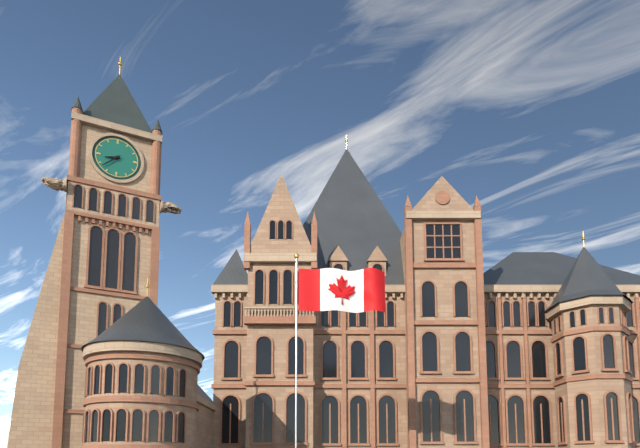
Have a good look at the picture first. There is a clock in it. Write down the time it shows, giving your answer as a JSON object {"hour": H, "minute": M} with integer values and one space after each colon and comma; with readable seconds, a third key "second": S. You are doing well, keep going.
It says {"hour": 8, "minute": 38}
